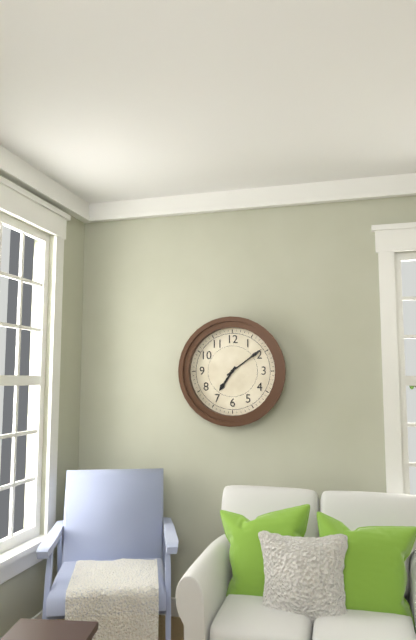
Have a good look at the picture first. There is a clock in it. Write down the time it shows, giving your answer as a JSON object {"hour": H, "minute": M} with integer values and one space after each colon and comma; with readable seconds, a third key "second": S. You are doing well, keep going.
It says {"hour": 7, "minute": 9}
